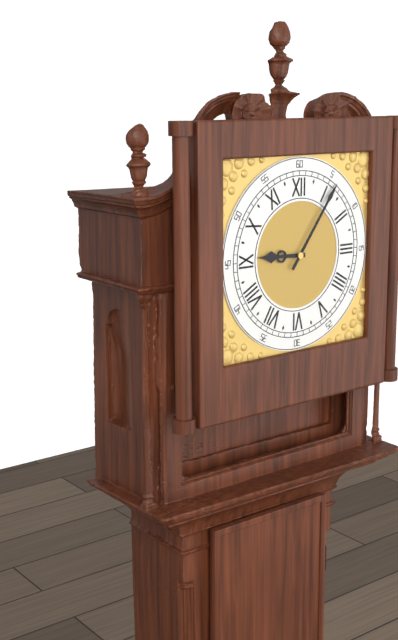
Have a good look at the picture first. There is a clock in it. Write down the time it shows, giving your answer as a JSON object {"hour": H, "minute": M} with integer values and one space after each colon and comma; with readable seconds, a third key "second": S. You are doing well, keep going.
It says {"hour": 9, "minute": 6}
